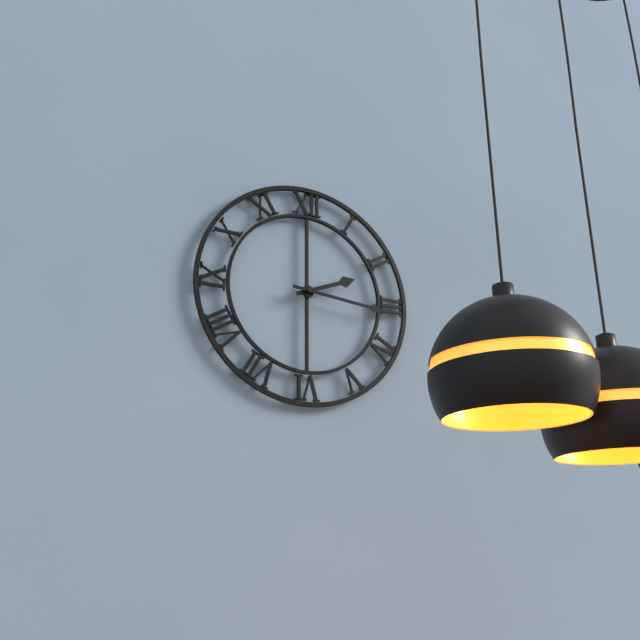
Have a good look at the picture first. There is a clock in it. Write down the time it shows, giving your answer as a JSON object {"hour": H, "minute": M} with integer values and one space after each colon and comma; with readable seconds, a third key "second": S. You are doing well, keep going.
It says {"hour": 2, "minute": 16}
